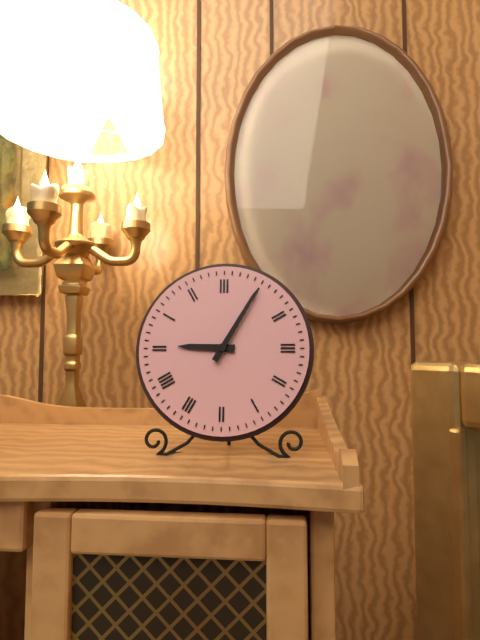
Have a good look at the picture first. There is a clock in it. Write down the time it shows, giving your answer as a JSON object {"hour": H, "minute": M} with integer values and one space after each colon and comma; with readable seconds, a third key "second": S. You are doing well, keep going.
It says {"hour": 9, "minute": 5}
